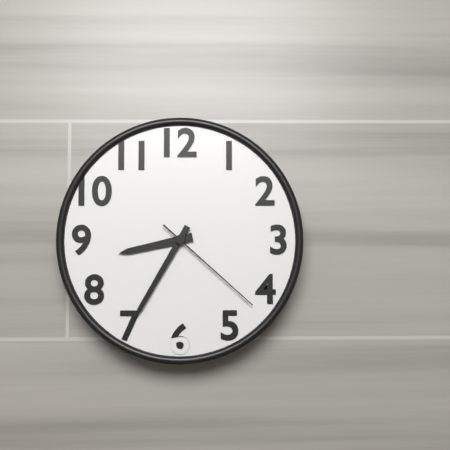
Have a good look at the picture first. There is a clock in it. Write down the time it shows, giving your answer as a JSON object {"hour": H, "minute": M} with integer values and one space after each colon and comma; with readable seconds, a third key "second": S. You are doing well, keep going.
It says {"hour": 8, "minute": 35, "second": 22}
